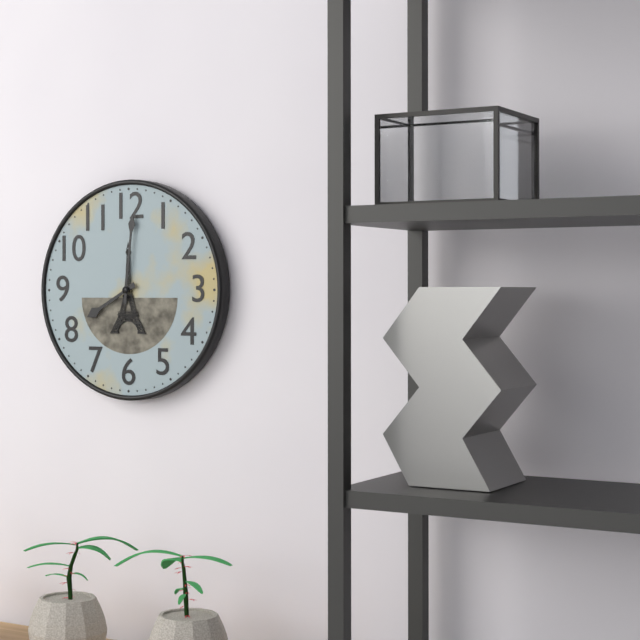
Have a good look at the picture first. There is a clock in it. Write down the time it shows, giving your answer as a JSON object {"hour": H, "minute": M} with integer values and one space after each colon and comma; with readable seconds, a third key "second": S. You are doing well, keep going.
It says {"hour": 8, "minute": 1}
